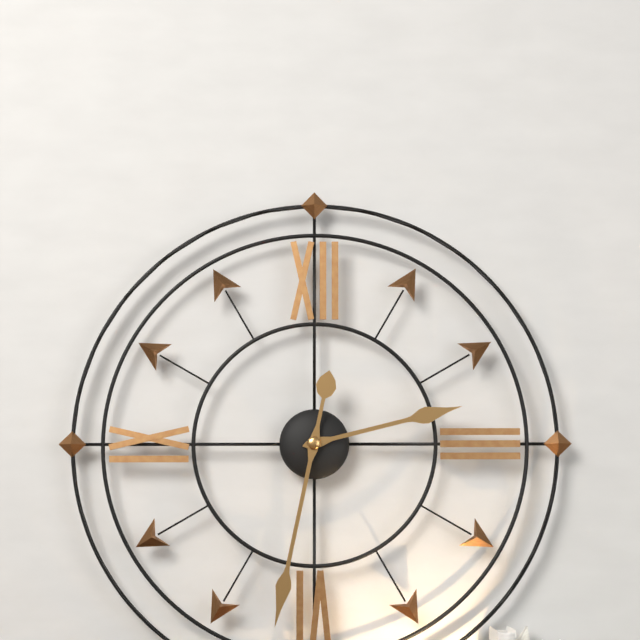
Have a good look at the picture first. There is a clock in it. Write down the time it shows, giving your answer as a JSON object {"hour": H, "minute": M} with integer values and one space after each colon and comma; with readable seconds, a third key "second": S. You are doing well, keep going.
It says {"hour": 2, "minute": 32}
